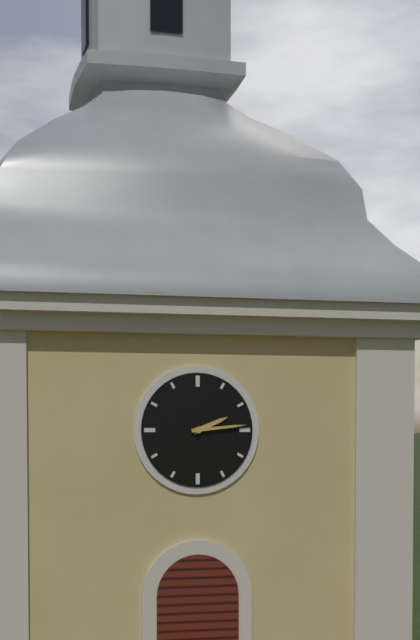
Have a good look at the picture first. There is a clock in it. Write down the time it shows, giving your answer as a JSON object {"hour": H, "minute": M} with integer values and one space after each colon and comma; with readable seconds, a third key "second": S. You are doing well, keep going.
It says {"hour": 2, "minute": 14}
